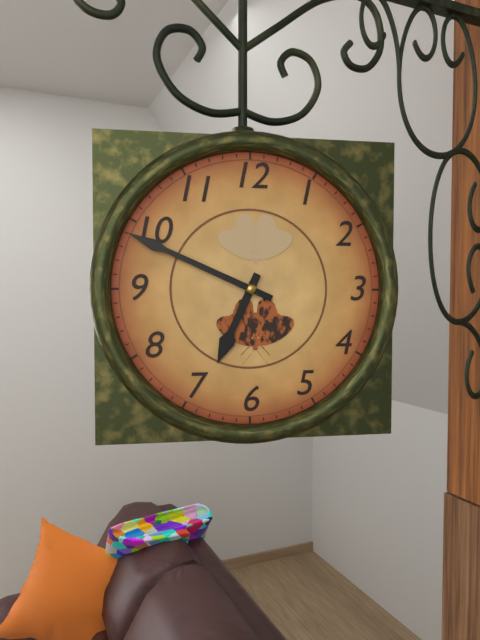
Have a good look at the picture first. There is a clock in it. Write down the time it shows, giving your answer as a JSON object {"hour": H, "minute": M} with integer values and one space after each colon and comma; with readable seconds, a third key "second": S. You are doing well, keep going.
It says {"hour": 6, "minute": 49}
